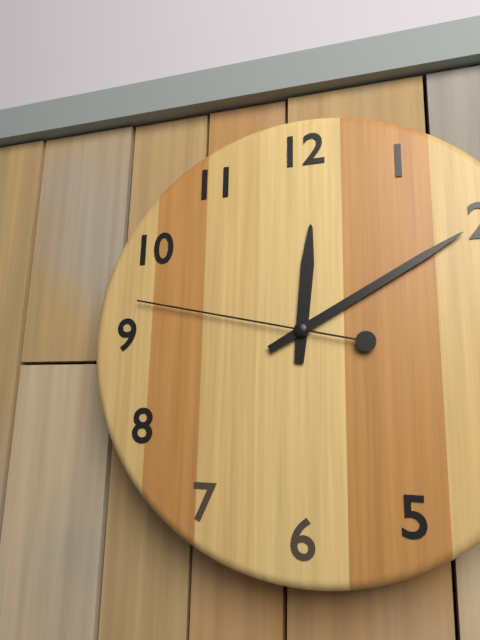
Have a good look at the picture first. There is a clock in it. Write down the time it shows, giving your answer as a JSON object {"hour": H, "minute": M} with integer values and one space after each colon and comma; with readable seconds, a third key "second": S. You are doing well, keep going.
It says {"hour": 12, "minute": 10, "second": 47}
